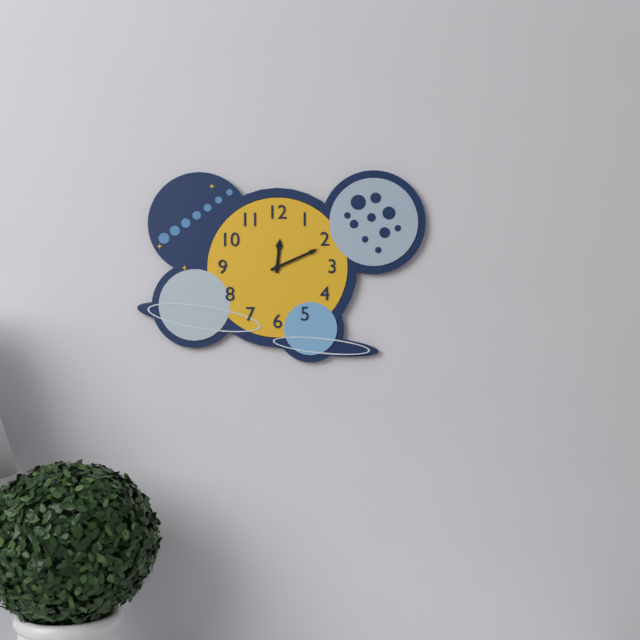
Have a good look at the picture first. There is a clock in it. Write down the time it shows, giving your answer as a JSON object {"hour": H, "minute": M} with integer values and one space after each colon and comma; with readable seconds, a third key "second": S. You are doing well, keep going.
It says {"hour": 12, "minute": 11}
